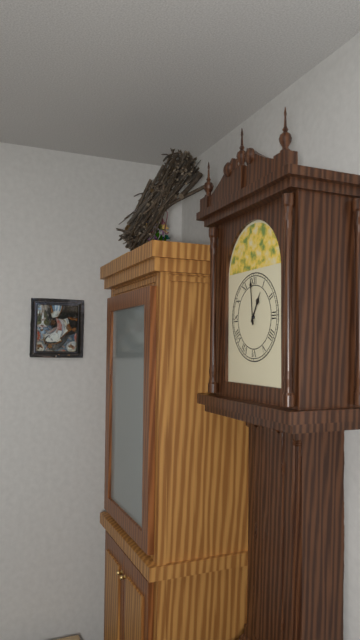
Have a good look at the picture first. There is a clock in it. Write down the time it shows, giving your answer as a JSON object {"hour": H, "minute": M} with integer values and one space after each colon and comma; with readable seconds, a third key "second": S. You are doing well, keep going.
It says {"hour": 12, "minute": 59}
